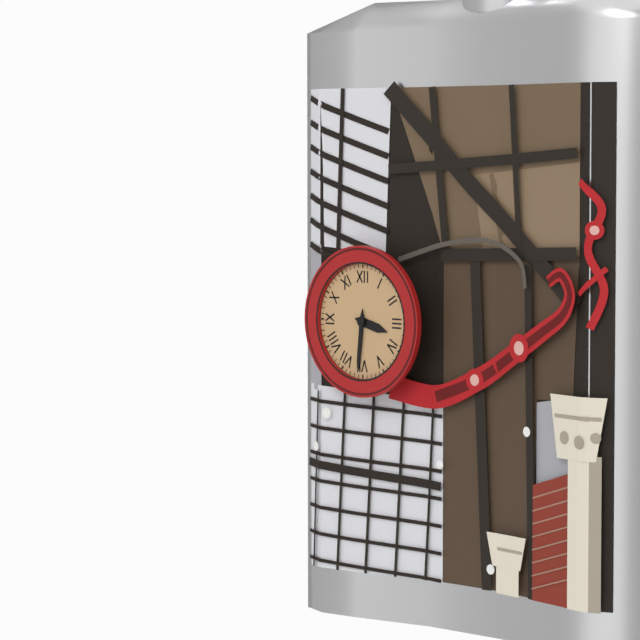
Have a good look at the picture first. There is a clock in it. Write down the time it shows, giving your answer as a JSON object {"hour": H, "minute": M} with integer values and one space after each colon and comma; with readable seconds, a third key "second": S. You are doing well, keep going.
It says {"hour": 3, "minute": 31}
